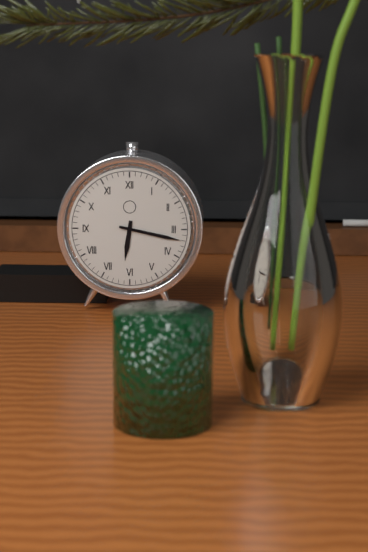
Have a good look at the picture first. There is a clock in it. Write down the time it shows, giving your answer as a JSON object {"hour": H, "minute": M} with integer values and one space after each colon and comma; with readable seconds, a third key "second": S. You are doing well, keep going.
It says {"hour": 6, "minute": 17}
